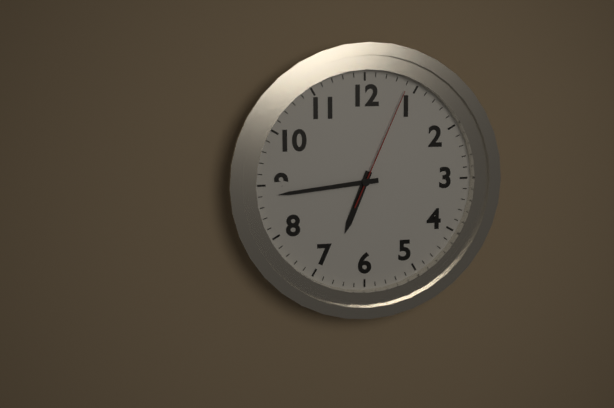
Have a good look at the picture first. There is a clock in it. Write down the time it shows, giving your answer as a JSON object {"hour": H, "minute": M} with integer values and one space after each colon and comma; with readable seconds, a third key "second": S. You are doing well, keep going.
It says {"hour": 6, "minute": 44, "second": 4}
